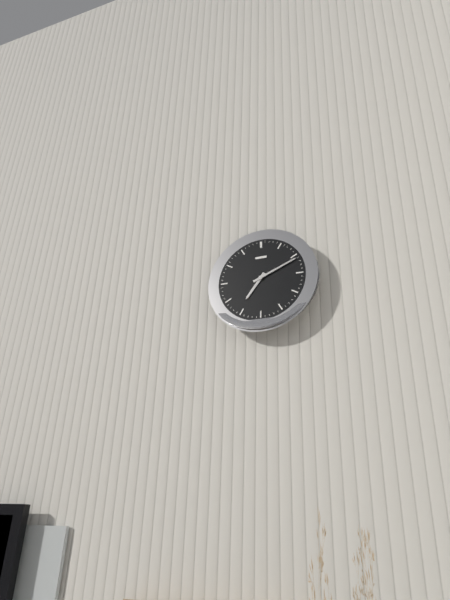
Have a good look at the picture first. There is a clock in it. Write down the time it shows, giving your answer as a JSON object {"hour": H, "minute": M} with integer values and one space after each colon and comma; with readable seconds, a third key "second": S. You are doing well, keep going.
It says {"hour": 7, "minute": 11}
